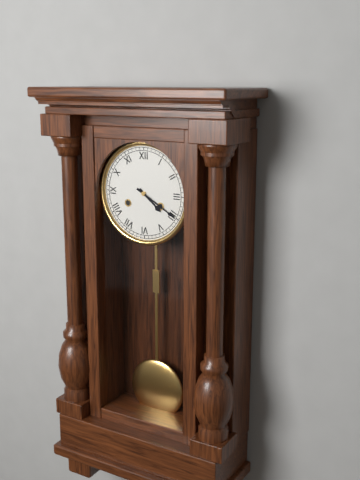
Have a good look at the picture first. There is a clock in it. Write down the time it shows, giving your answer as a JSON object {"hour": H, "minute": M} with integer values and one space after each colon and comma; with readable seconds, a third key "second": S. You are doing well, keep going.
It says {"hour": 4, "minute": 20}
